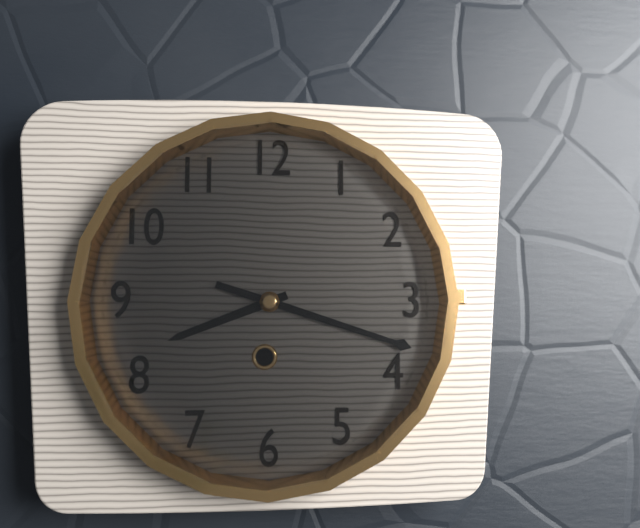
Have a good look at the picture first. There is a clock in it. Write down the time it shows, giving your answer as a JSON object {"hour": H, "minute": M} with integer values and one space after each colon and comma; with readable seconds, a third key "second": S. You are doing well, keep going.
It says {"hour": 8, "minute": 18}
